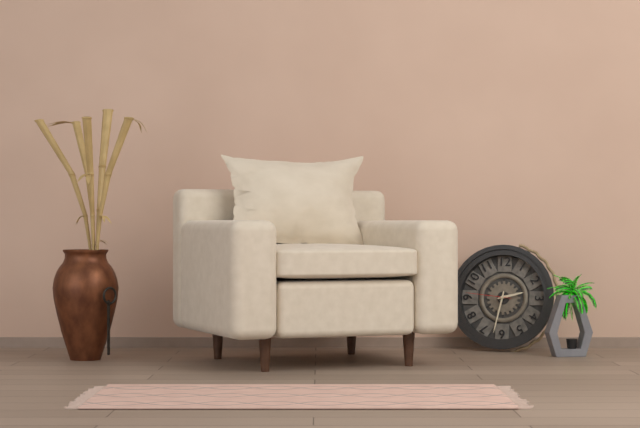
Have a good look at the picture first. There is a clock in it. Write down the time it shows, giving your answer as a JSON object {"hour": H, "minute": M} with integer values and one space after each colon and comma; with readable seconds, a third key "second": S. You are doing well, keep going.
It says {"hour": 2, "minute": 32}
